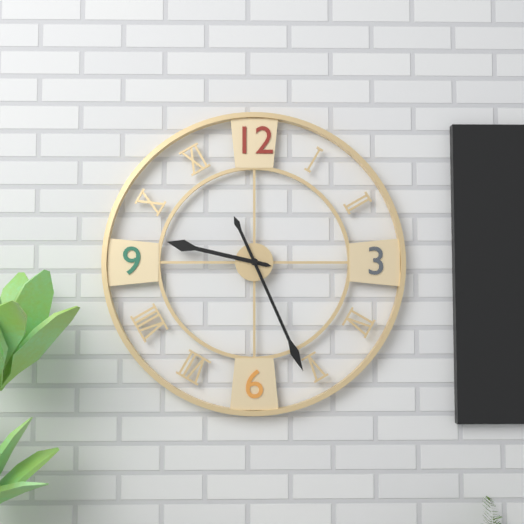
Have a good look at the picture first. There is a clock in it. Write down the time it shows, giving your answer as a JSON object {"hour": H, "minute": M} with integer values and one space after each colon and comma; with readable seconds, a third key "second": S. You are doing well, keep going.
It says {"hour": 9, "minute": 26}
